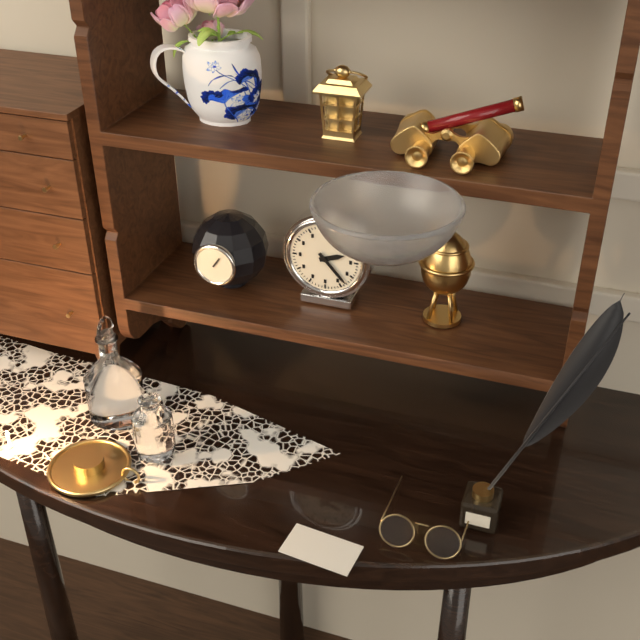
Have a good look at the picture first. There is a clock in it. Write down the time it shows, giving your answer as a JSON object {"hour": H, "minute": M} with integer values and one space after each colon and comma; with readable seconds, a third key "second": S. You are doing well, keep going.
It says {"hour": 2, "minute": 23}
